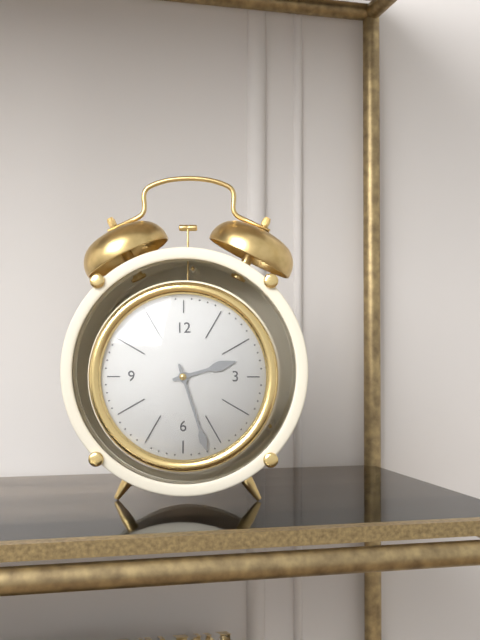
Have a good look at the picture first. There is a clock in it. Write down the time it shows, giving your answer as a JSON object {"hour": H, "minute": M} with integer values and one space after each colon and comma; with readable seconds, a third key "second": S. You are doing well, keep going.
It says {"hour": 2, "minute": 27}
